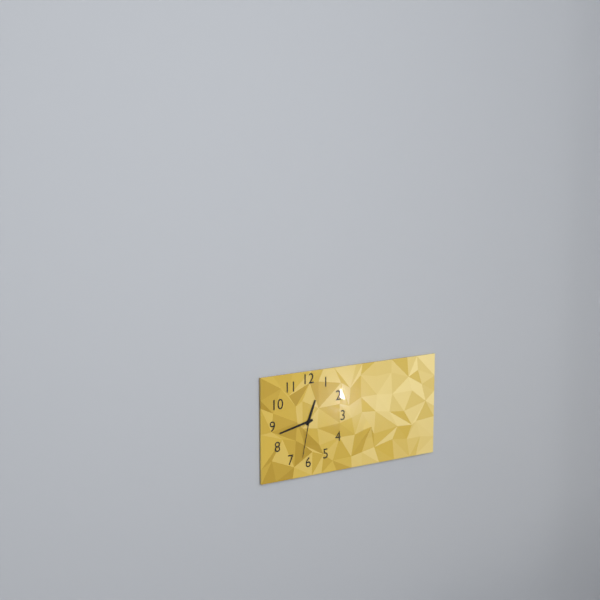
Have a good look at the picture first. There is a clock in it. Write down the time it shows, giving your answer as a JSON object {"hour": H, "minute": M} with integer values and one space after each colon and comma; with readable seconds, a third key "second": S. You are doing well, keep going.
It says {"hour": 12, "minute": 43}
